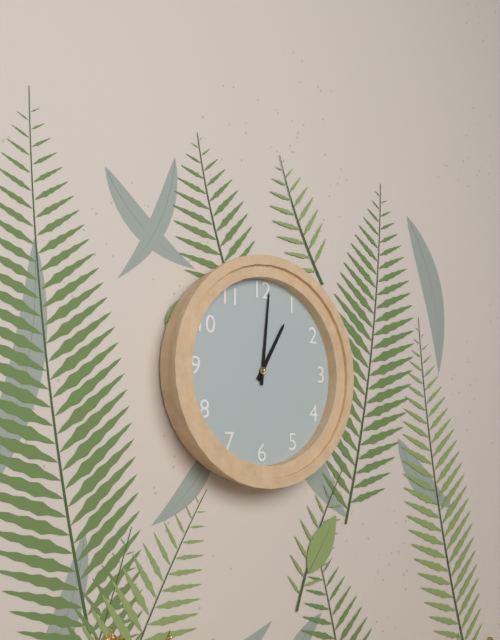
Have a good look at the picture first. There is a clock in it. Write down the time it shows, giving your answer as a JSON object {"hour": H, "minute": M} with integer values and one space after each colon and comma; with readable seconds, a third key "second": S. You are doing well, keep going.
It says {"hour": 1, "minute": 1}
